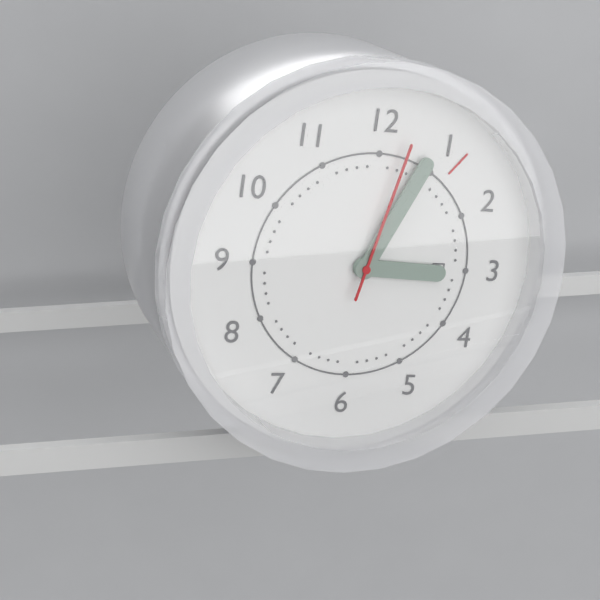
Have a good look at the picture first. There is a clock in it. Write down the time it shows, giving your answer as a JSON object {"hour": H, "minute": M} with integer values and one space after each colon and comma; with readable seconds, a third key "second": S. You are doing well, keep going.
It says {"hour": 3, "minute": 4, "second": 2}
